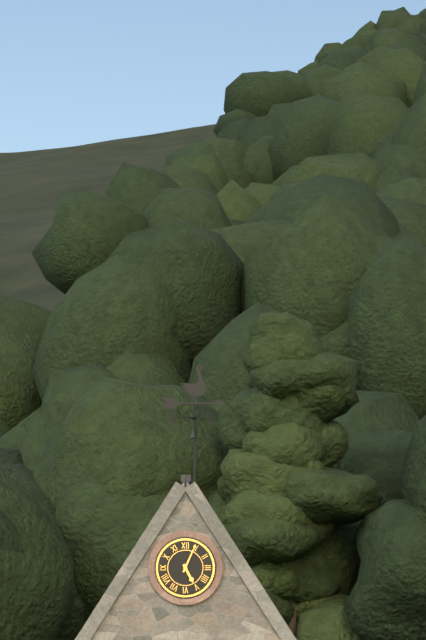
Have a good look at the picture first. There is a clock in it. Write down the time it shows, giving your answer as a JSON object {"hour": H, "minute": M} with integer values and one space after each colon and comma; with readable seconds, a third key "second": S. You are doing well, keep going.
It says {"hour": 5, "minute": 4}
